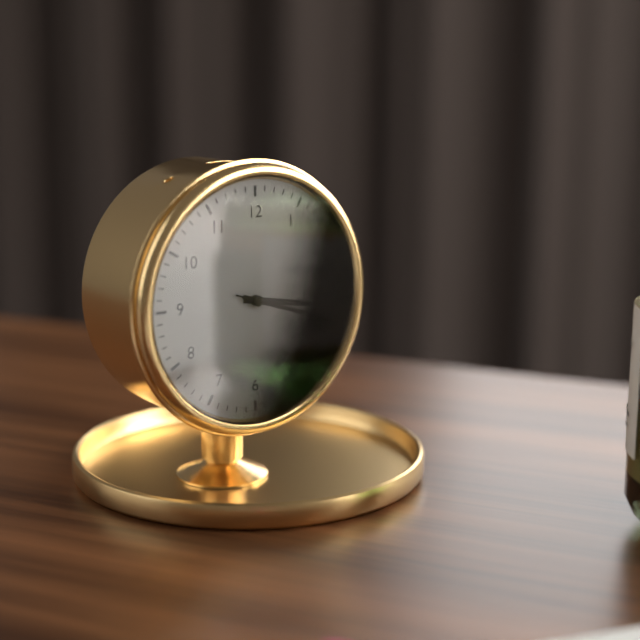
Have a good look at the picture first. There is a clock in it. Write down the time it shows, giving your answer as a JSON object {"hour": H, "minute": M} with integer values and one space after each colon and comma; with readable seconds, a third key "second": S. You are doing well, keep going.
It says {"hour": 3, "minute": 18, "second": 18}
